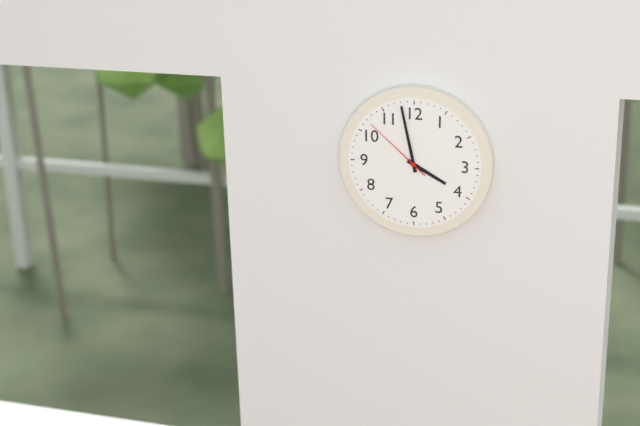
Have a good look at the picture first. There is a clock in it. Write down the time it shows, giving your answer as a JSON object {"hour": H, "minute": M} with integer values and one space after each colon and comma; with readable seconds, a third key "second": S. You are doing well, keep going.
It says {"hour": 3, "minute": 58, "second": 52}
